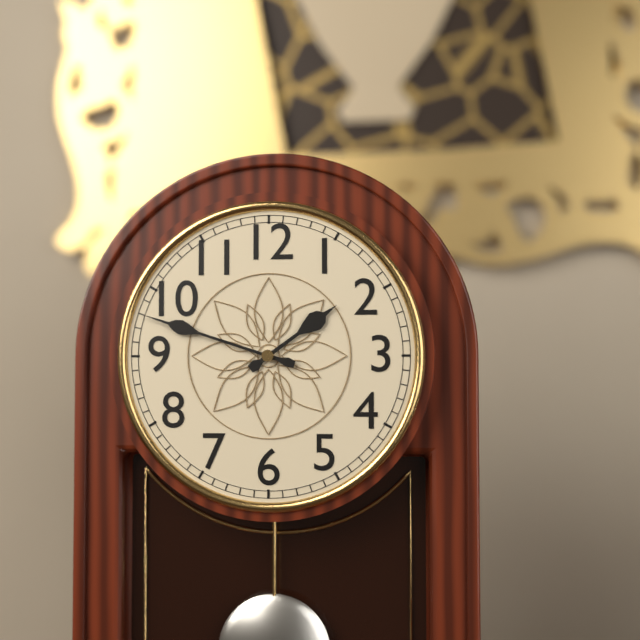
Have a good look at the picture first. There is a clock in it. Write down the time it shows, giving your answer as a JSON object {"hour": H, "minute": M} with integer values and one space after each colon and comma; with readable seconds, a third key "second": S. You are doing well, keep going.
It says {"hour": 1, "minute": 48}
